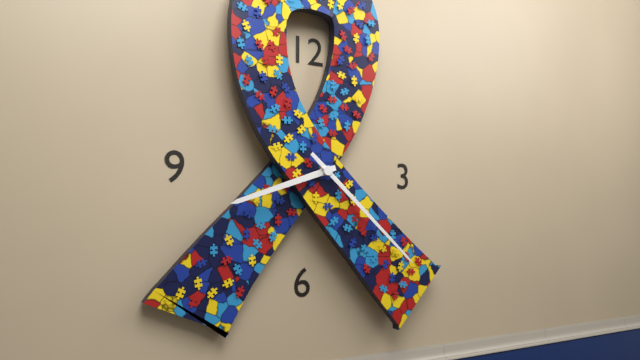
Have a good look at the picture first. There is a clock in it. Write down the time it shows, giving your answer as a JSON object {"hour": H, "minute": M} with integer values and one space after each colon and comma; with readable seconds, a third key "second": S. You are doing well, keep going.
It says {"hour": 8, "minute": 22}
